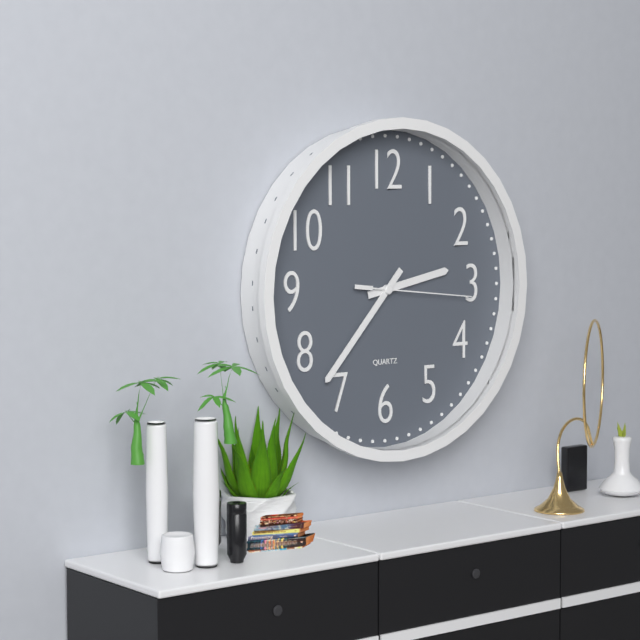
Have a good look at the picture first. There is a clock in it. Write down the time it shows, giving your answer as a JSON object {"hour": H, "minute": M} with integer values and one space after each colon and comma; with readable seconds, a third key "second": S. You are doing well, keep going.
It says {"hour": 2, "minute": 37, "second": 16}
